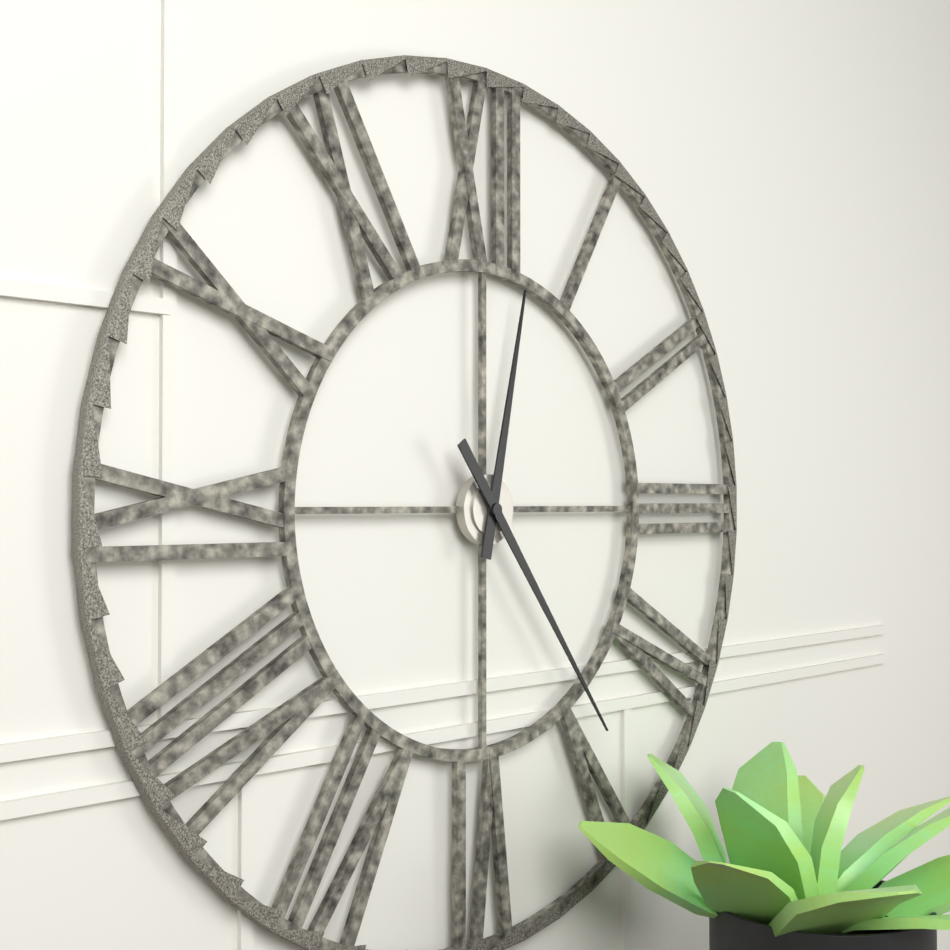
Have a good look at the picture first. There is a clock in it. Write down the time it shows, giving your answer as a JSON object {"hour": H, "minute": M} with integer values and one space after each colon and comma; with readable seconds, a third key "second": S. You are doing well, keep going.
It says {"hour": 12, "minute": 24}
